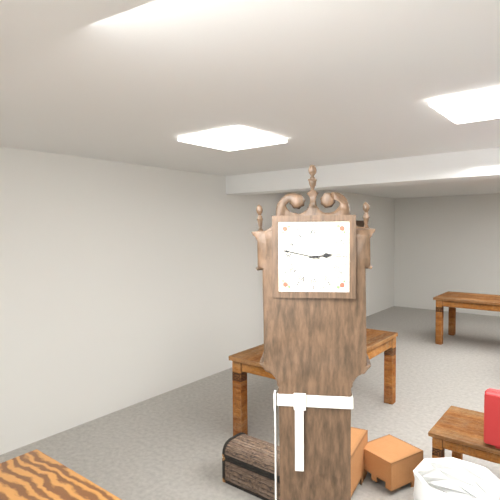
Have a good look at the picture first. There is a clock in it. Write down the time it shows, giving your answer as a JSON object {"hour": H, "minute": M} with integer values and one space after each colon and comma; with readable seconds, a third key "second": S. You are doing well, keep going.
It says {"hour": 2, "minute": 47}
